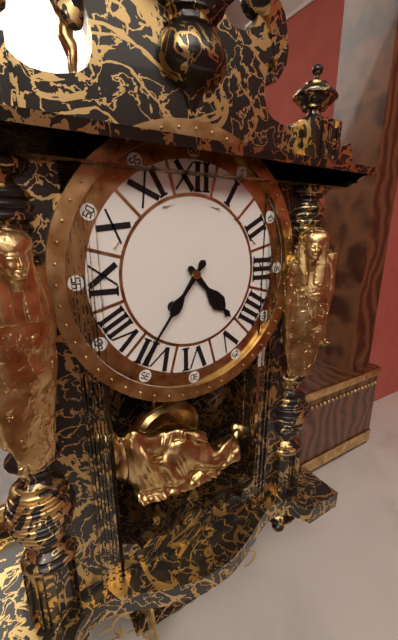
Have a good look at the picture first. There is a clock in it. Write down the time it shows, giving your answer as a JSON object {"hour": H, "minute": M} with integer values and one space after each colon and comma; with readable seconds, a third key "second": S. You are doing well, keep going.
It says {"hour": 4, "minute": 36}
